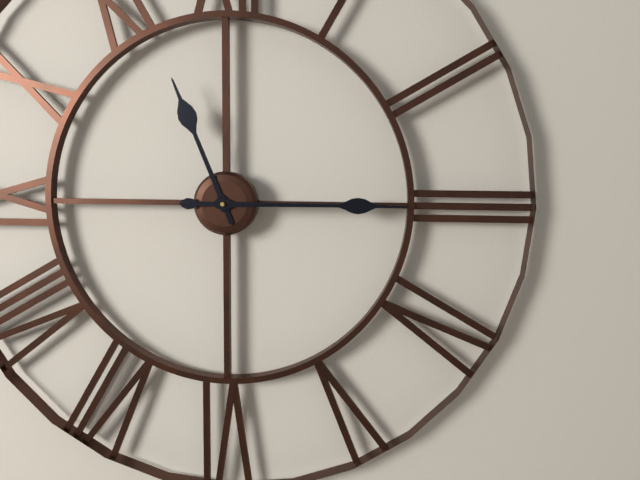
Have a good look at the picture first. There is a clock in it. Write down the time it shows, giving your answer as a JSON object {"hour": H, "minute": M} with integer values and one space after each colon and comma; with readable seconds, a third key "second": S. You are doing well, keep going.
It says {"hour": 11, "minute": 15}
